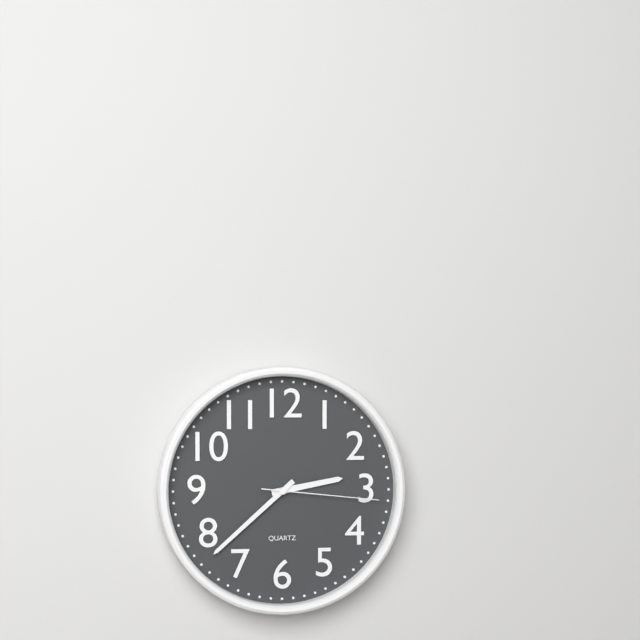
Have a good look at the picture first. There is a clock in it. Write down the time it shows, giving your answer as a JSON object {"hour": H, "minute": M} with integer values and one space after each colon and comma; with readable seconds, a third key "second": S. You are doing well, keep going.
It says {"hour": 2, "minute": 38, "second": 16}
